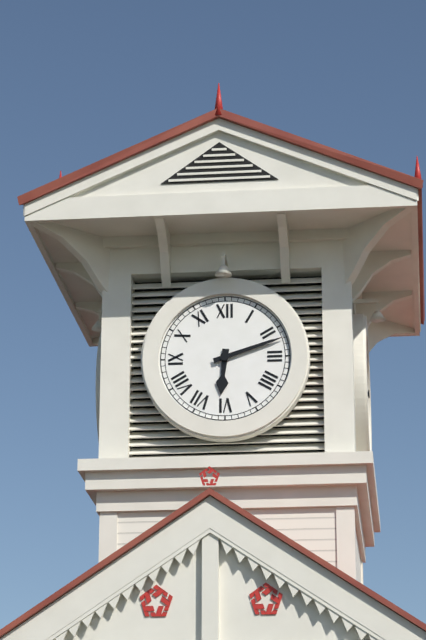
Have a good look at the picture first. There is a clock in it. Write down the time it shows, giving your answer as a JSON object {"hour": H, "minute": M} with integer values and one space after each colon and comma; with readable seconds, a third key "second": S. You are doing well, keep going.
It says {"hour": 6, "minute": 12}
